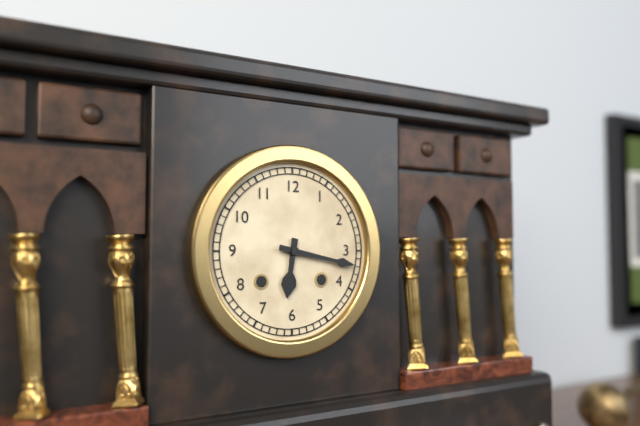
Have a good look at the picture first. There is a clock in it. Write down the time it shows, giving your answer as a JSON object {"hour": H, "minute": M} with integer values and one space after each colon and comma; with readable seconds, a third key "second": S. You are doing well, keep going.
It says {"hour": 6, "minute": 17}
